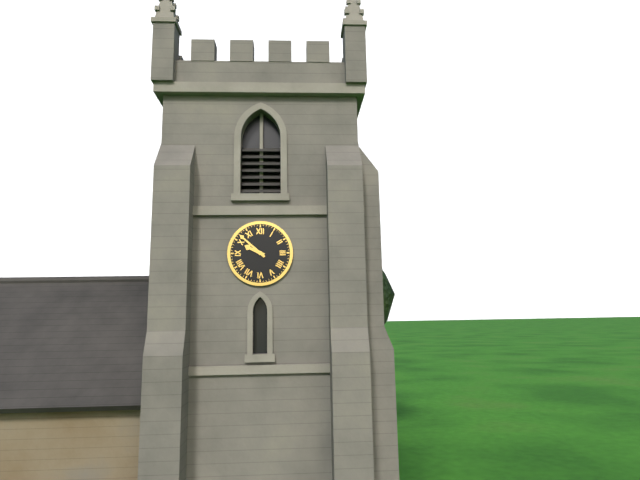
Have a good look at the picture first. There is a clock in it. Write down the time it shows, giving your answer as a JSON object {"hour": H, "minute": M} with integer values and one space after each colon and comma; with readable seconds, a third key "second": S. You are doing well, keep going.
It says {"hour": 9, "minute": 52}
